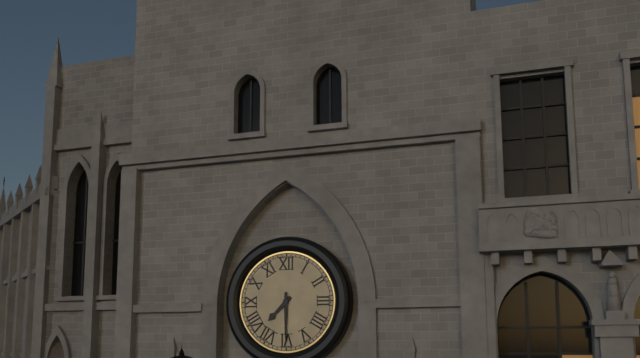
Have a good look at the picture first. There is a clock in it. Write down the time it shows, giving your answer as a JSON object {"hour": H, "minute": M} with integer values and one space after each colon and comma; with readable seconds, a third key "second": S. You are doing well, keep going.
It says {"hour": 7, "minute": 30}
